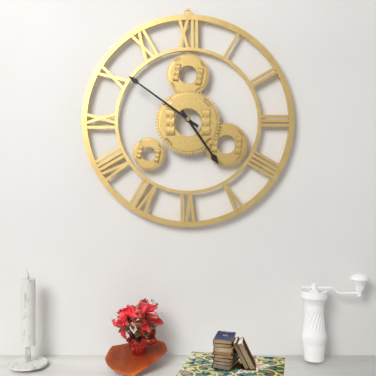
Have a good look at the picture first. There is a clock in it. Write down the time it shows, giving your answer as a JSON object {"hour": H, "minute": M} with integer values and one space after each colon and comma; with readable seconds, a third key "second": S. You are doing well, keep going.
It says {"hour": 4, "minute": 51}
